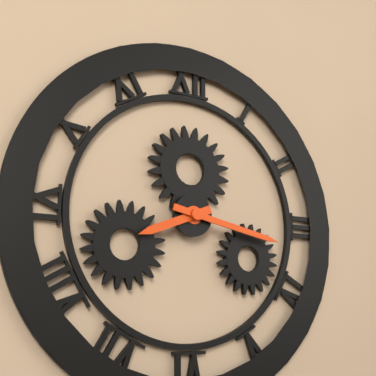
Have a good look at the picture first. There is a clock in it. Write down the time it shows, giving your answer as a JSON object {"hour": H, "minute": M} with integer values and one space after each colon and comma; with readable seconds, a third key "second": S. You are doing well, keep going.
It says {"hour": 8, "minute": 17}
